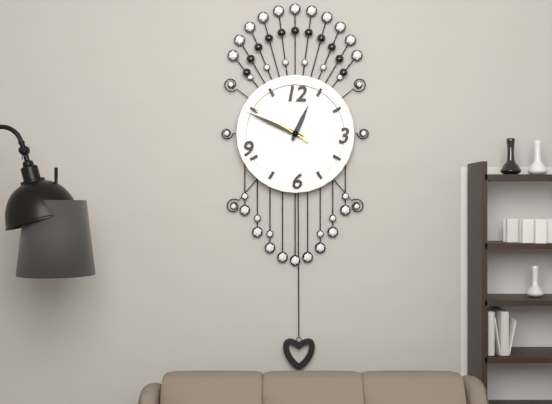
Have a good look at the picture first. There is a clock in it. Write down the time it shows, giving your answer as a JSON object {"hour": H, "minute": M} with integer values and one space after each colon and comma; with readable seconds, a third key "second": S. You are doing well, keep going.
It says {"hour": 12, "minute": 49, "second": 50}
